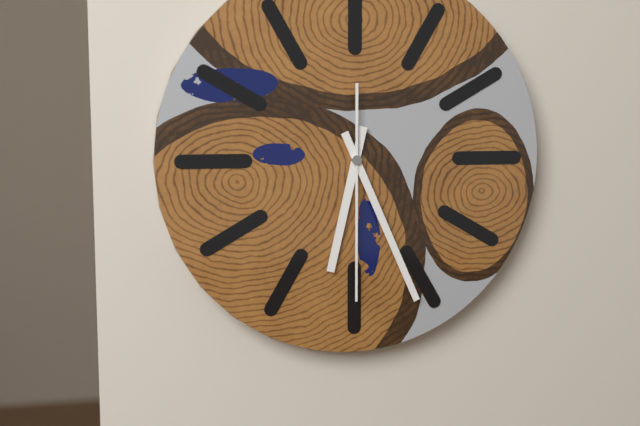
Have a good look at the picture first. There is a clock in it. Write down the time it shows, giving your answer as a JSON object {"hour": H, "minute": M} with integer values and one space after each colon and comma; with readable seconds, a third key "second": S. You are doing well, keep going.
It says {"hour": 6, "minute": 26, "second": 30}
